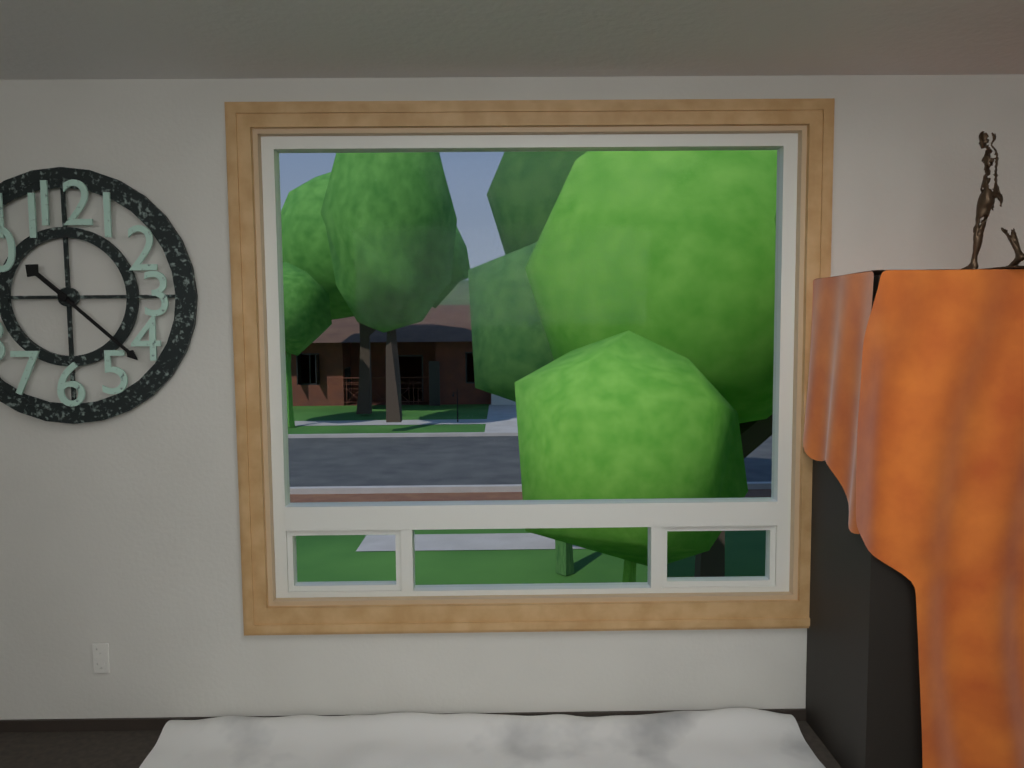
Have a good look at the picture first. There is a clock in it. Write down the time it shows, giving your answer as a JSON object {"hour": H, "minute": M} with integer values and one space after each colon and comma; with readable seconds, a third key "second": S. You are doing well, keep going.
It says {"hour": 10, "minute": 22}
